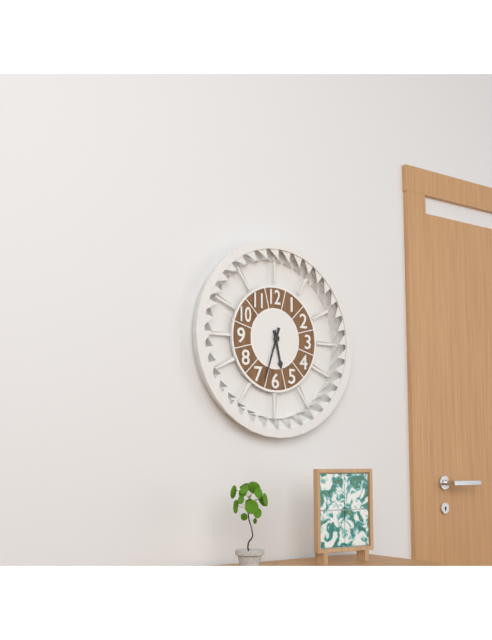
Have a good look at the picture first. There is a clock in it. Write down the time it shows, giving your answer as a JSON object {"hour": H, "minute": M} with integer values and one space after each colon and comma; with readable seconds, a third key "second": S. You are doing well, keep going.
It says {"hour": 5, "minute": 33}
